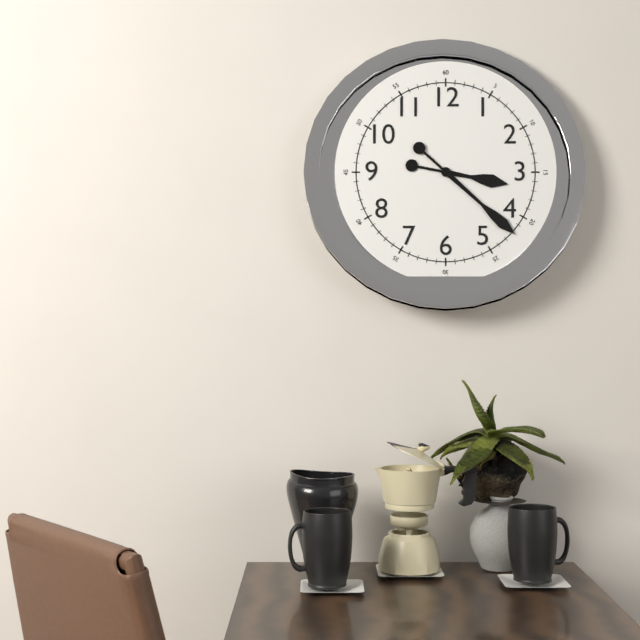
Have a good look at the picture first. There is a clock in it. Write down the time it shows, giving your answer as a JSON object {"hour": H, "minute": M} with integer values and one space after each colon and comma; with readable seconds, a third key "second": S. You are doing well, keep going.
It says {"hour": 3, "minute": 22}
